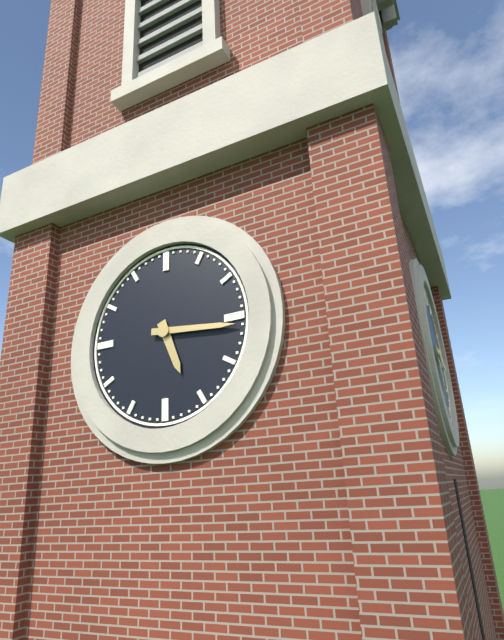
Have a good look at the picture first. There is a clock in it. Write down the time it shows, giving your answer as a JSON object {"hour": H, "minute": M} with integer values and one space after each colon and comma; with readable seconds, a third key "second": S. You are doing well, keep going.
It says {"hour": 5, "minute": 16}
